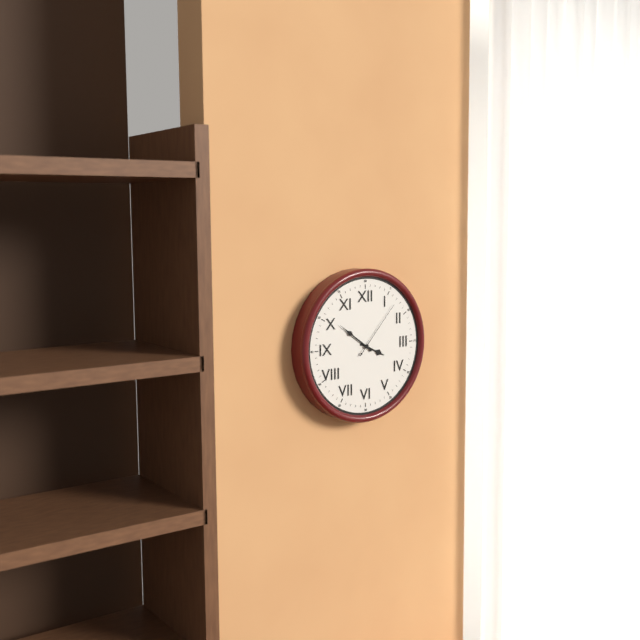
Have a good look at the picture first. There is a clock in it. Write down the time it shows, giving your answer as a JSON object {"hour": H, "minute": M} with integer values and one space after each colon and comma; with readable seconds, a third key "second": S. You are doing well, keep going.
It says {"hour": 3, "minute": 51, "second": 7}
